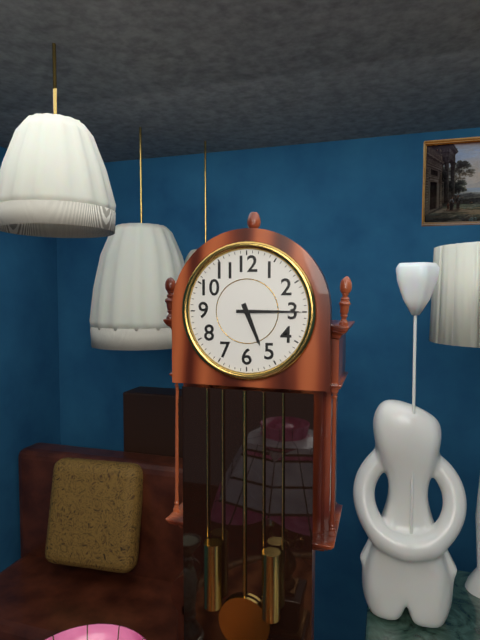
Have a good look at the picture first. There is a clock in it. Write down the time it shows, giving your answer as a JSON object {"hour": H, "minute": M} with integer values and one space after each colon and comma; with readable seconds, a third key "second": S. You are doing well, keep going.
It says {"hour": 5, "minute": 15}
